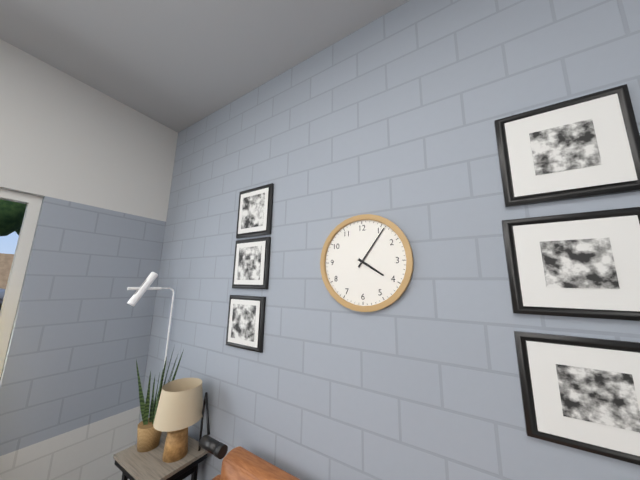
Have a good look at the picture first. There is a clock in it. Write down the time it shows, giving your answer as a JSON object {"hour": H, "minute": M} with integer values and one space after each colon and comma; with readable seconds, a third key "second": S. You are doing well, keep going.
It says {"hour": 4, "minute": 6}
